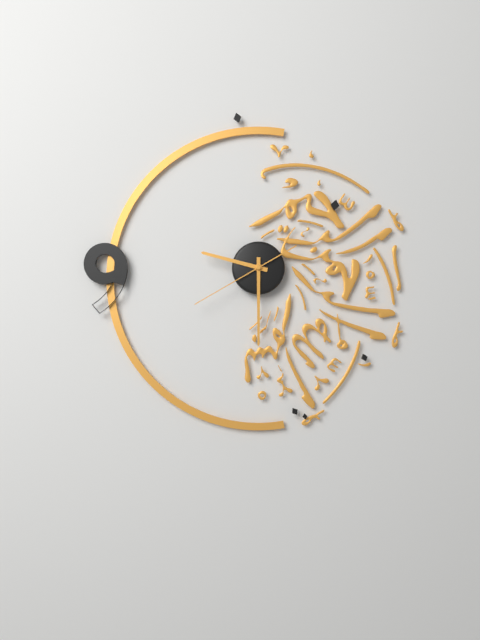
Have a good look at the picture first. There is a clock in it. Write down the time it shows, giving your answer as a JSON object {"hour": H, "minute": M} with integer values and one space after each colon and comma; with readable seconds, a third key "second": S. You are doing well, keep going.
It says {"hour": 9, "minute": 30, "second": 40}
